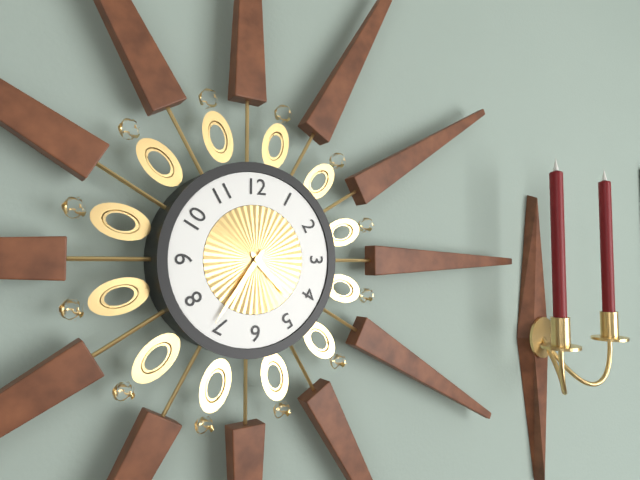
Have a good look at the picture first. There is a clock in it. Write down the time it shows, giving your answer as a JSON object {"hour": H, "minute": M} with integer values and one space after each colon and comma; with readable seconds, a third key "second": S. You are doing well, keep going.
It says {"hour": 4, "minute": 36}
